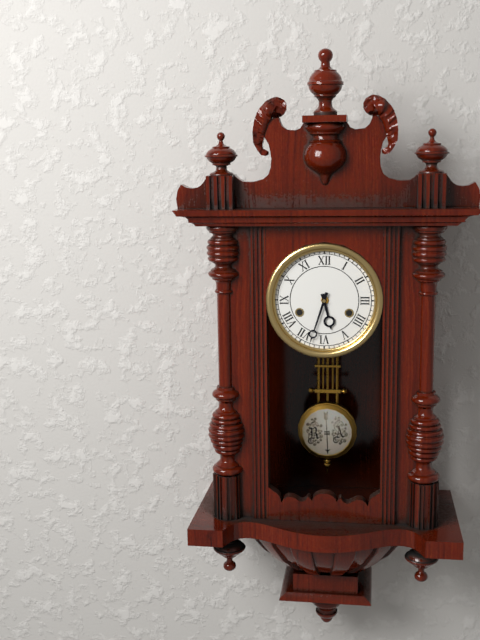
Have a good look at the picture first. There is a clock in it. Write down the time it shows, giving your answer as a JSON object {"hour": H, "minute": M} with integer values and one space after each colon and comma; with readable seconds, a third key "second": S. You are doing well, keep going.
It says {"hour": 5, "minute": 33}
